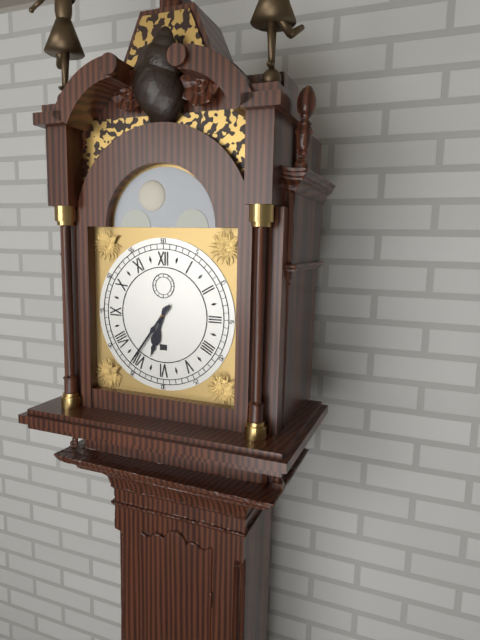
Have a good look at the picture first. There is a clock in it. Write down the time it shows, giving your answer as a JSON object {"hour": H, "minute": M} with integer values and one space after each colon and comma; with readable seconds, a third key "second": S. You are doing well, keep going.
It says {"hour": 6, "minute": 36}
